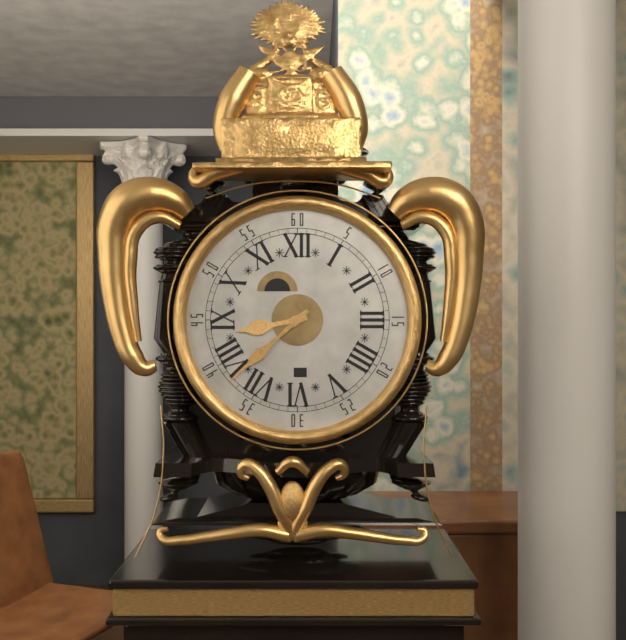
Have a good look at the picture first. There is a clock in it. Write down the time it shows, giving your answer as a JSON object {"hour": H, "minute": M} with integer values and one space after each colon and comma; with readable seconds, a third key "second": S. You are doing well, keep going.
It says {"hour": 8, "minute": 38}
